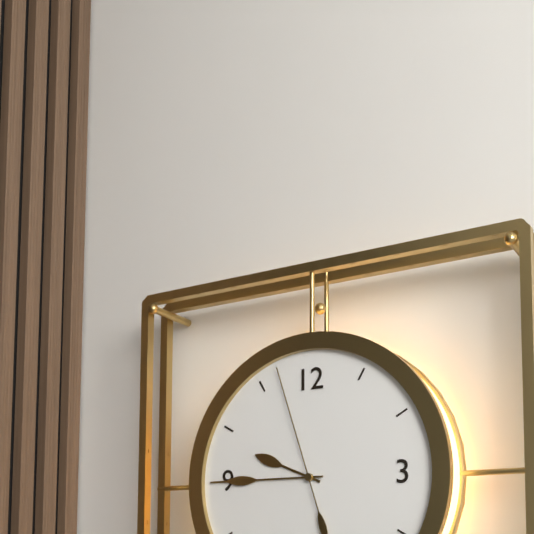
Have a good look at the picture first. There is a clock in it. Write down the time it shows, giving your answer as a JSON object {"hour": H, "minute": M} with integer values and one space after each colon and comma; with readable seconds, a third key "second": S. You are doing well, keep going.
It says {"hour": 9, "minute": 45, "second": 57}
